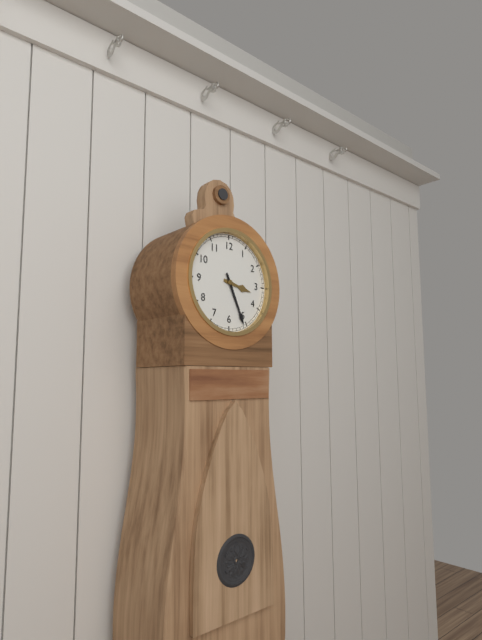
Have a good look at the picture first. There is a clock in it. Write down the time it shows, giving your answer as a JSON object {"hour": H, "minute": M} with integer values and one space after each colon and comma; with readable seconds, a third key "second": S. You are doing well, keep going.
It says {"hour": 3, "minute": 26}
